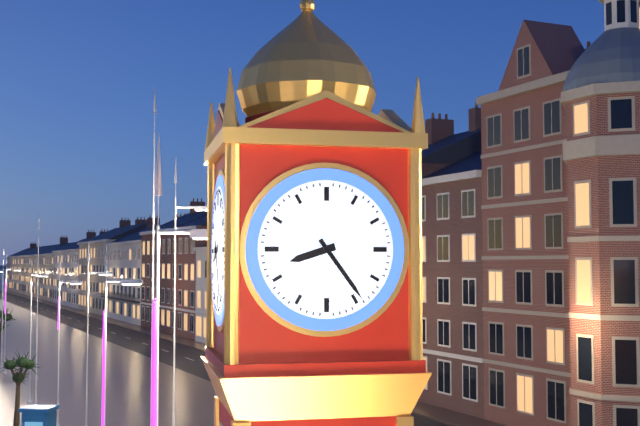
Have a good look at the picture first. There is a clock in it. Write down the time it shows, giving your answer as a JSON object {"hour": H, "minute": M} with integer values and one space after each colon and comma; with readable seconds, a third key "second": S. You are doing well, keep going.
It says {"hour": 8, "minute": 24}
